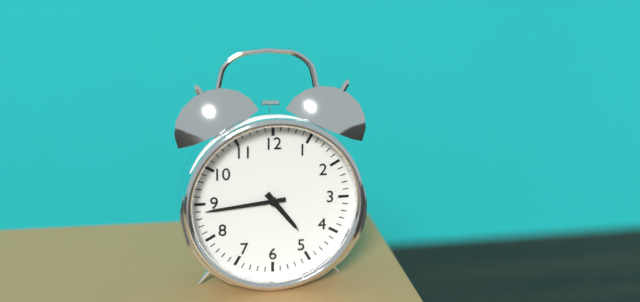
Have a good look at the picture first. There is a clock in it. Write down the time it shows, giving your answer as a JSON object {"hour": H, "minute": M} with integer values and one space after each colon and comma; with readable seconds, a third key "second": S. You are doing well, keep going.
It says {"hour": 4, "minute": 44}
